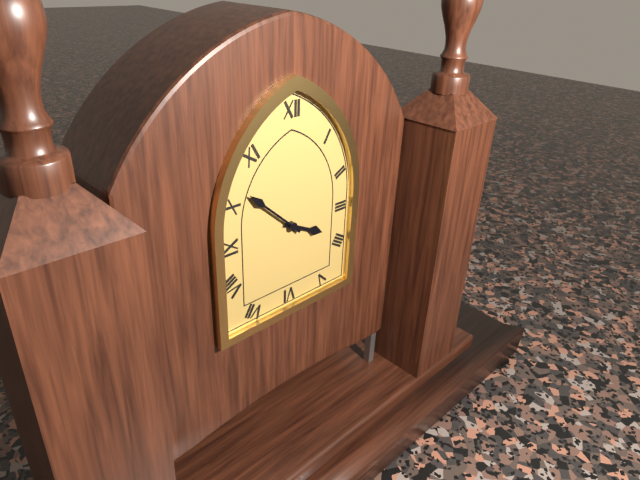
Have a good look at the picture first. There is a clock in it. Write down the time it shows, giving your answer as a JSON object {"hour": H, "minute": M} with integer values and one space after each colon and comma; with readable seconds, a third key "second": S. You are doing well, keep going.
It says {"hour": 3, "minute": 52}
